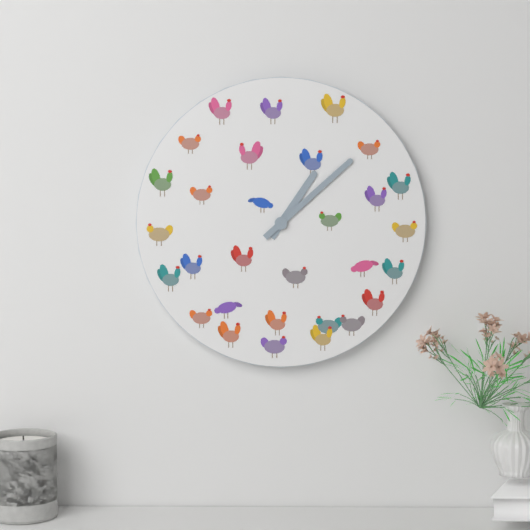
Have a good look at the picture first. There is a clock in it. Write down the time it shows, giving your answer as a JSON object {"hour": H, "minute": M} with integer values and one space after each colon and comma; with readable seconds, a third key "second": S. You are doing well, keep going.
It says {"hour": 1, "minute": 8}
